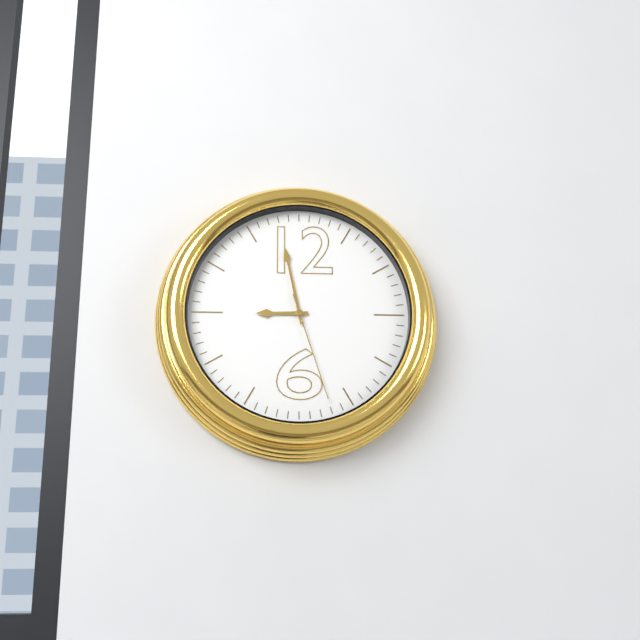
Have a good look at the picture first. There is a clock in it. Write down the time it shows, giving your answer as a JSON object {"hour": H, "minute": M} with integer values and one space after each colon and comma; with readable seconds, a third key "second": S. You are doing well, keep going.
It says {"hour": 8, "minute": 58, "second": 27}
